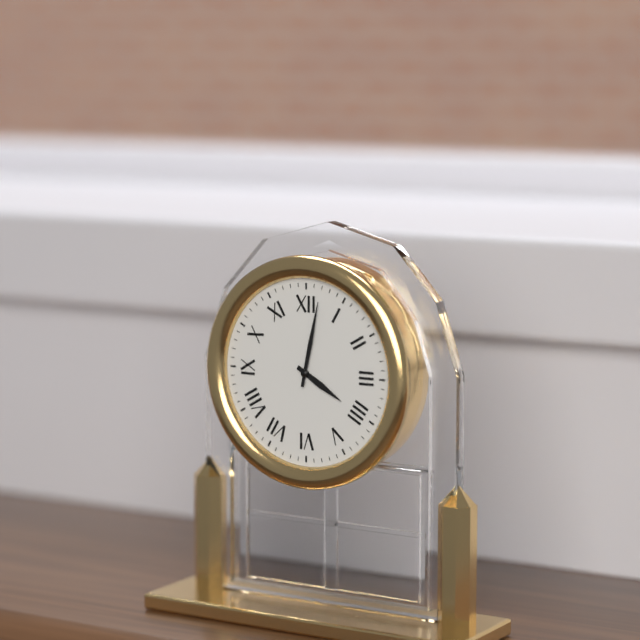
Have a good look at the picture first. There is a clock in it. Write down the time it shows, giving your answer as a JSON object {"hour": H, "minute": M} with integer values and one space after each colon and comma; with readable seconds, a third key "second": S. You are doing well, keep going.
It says {"hour": 4, "minute": 2}
